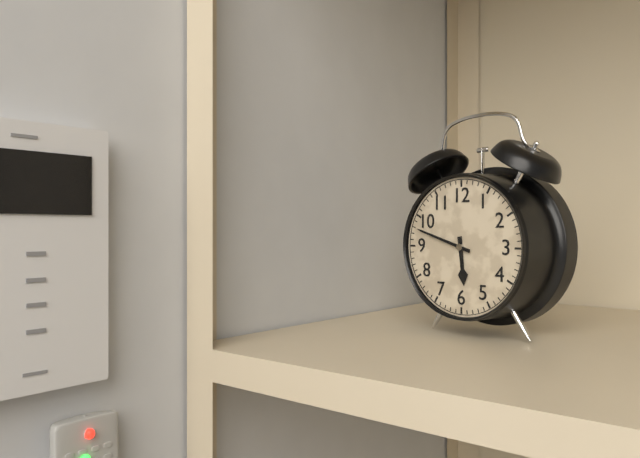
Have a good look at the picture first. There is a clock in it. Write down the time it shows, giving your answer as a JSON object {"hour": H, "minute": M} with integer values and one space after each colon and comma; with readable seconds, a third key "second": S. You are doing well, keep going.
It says {"hour": 5, "minute": 48}
